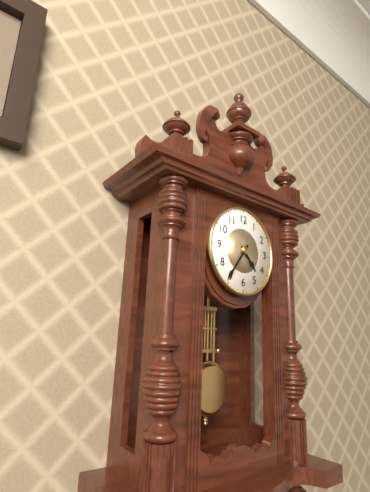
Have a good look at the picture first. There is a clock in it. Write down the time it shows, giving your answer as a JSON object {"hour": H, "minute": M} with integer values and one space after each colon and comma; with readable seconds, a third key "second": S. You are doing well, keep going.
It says {"hour": 4, "minute": 36}
